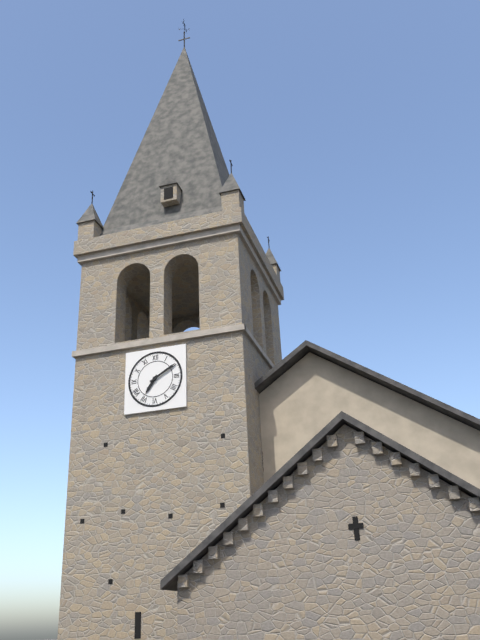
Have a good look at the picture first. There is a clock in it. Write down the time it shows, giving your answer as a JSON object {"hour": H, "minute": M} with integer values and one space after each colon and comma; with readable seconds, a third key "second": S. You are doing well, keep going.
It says {"hour": 7, "minute": 10}
